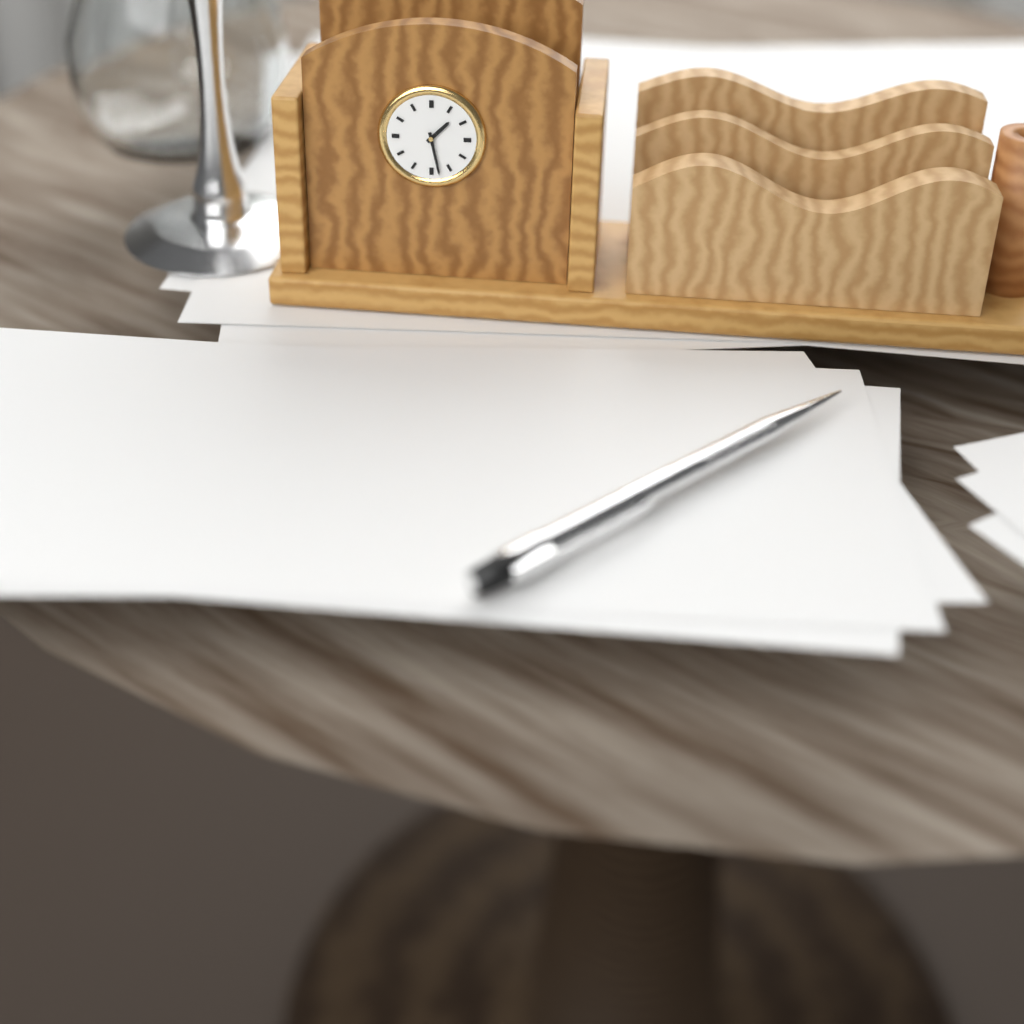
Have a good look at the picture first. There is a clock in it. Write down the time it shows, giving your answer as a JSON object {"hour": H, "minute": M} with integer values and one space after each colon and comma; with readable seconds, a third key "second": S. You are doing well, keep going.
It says {"hour": 1, "minute": 28}
